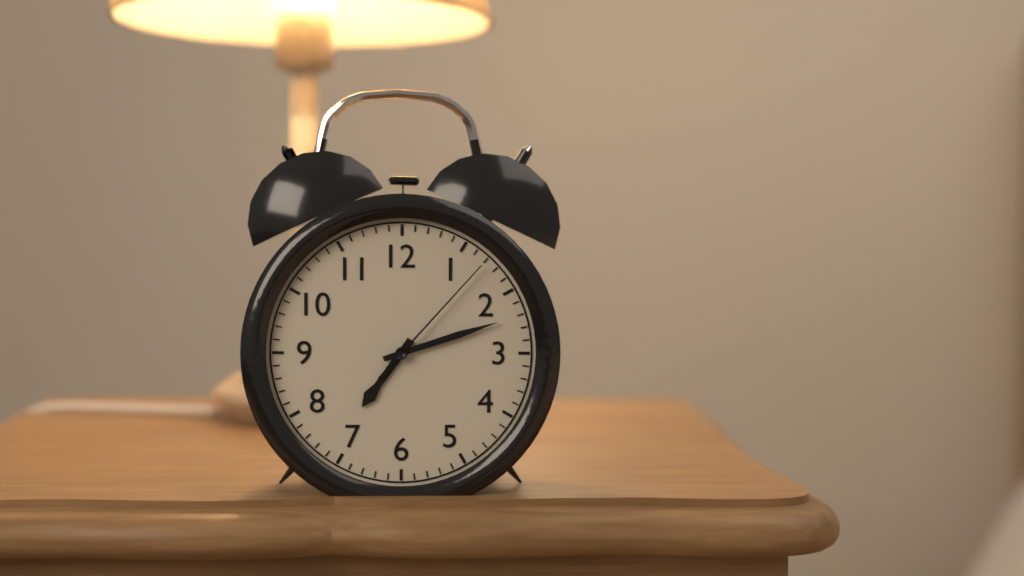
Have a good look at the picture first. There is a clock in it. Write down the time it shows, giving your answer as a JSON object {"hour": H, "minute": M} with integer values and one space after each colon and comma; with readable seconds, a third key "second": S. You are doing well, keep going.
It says {"hour": 7, "minute": 12, "second": 7}
